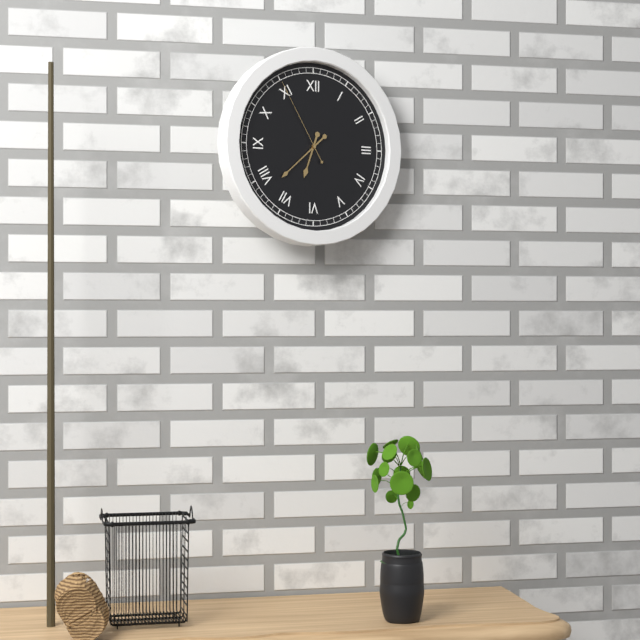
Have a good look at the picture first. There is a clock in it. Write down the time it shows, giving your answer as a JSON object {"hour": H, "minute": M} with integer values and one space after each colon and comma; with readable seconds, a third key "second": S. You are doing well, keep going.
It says {"hour": 6, "minute": 38, "second": 55}
